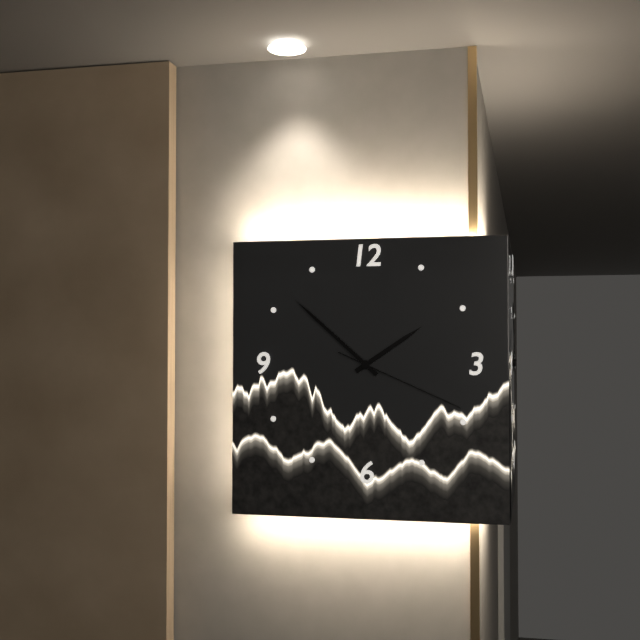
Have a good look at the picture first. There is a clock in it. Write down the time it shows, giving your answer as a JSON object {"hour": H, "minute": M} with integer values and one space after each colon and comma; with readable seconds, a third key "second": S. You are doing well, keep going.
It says {"hour": 1, "minute": 52, "second": 19}
